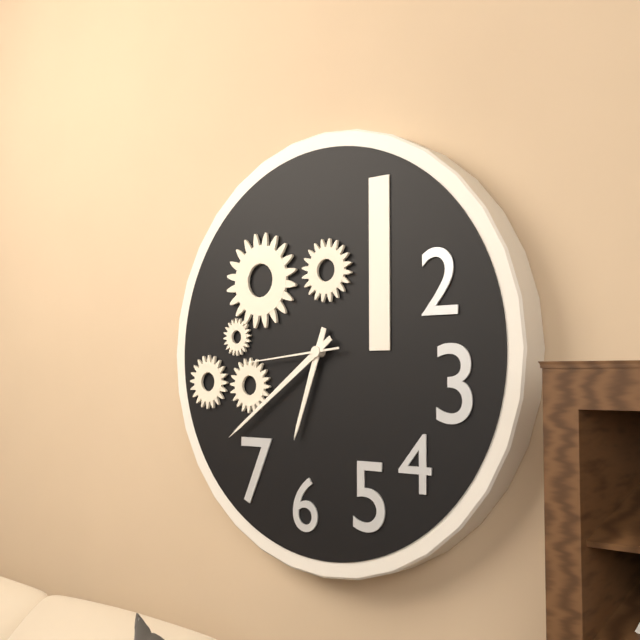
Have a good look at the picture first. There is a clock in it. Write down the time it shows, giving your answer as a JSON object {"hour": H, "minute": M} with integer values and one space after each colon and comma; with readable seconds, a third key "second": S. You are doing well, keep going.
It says {"hour": 6, "minute": 39, "second": 44}
